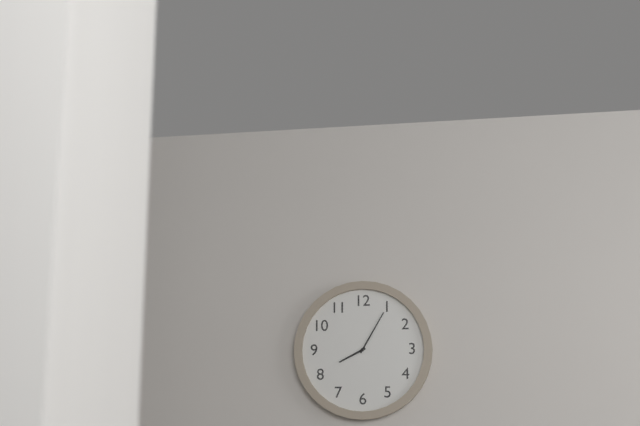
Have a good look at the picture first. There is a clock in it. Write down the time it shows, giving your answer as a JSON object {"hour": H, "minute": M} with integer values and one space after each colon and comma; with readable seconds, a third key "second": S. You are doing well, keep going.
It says {"hour": 8, "minute": 5}
